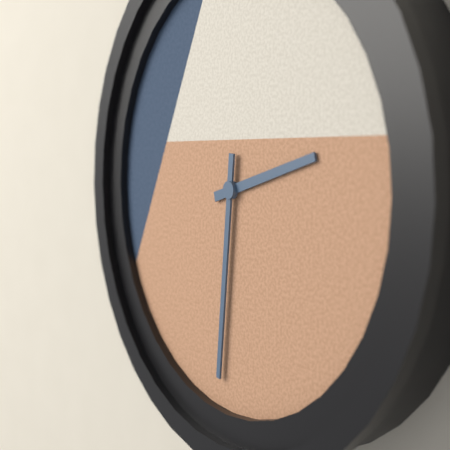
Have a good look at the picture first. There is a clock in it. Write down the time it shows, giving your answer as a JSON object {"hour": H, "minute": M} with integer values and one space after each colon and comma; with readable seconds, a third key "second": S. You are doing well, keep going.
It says {"hour": 2, "minute": 31}
